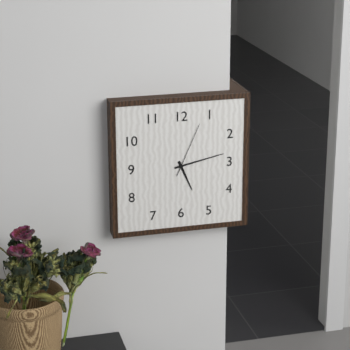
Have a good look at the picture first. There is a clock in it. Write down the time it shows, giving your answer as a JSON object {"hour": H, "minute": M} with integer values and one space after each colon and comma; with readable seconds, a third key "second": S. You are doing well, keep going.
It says {"hour": 5, "minute": 13, "second": 4}
